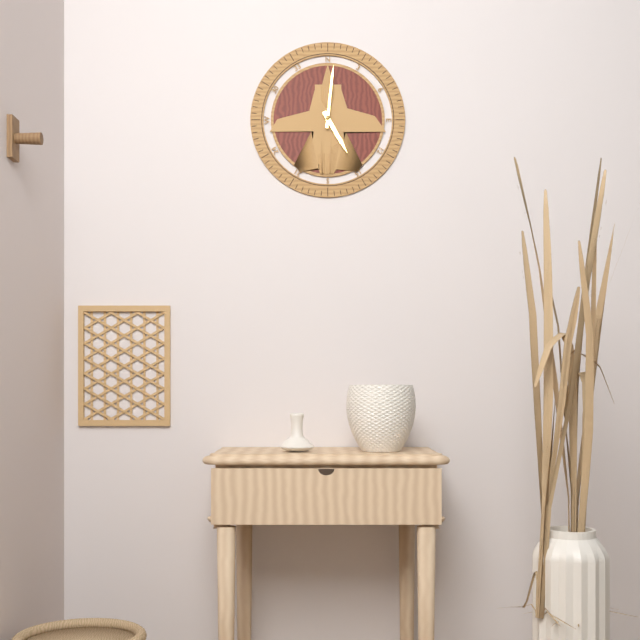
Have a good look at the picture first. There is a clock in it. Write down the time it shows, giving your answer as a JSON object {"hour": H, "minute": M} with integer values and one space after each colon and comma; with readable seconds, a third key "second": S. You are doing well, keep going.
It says {"hour": 5, "minute": 1}
